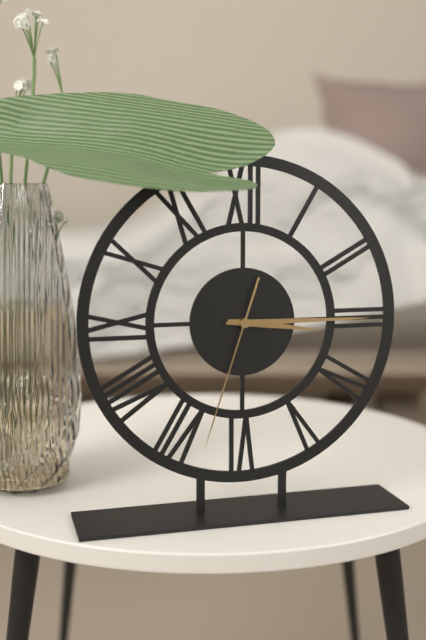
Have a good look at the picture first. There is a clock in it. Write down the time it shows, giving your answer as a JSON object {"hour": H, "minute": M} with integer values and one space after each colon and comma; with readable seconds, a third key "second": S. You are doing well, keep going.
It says {"hour": 3, "minute": 15, "second": 33}
